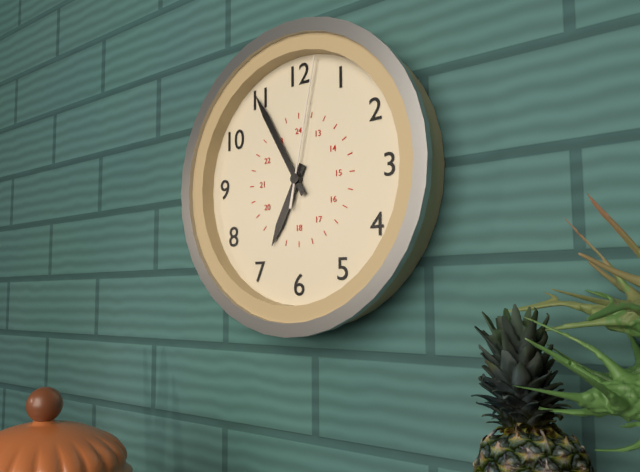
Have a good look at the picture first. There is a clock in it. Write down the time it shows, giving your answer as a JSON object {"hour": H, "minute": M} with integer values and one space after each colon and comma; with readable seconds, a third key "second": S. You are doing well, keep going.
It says {"hour": 6, "minute": 55, "second": 2}
